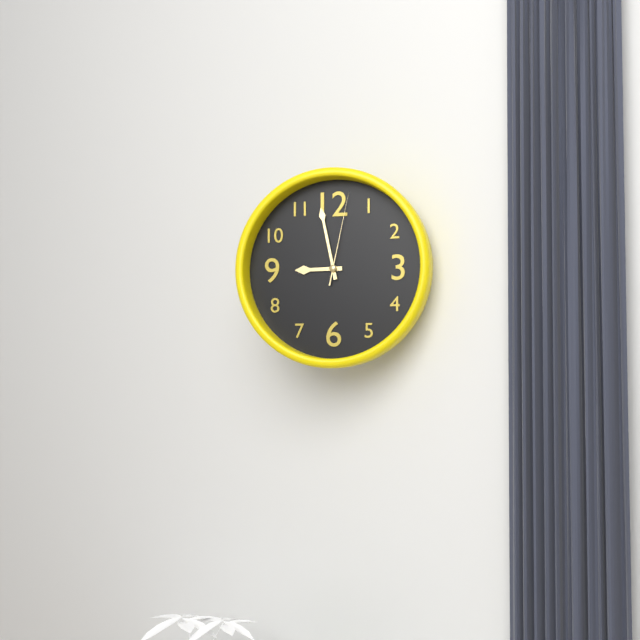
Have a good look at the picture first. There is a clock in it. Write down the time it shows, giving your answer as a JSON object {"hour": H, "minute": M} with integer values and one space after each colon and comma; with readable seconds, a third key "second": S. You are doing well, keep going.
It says {"hour": 8, "minute": 58, "second": 2}
